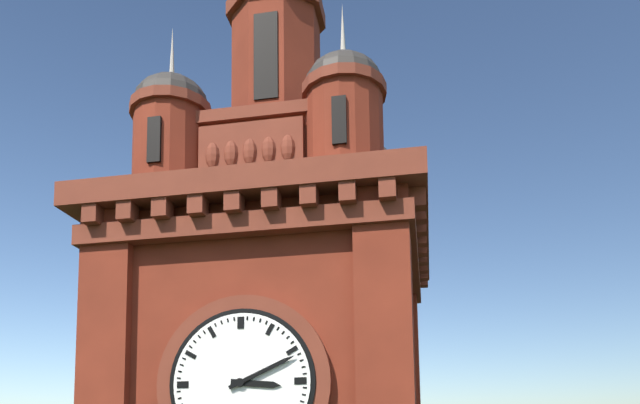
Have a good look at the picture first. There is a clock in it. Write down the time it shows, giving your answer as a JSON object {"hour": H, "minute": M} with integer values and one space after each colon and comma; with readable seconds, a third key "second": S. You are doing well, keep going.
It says {"hour": 3, "minute": 11}
